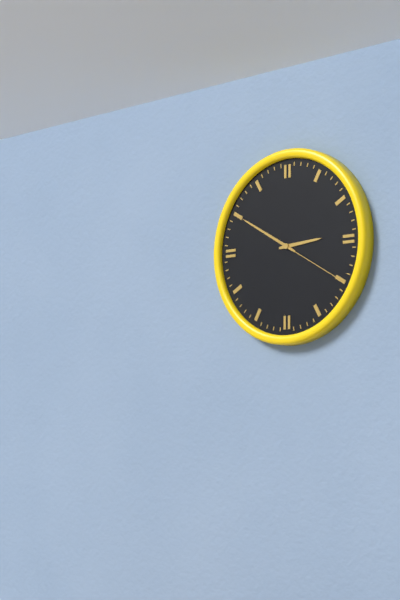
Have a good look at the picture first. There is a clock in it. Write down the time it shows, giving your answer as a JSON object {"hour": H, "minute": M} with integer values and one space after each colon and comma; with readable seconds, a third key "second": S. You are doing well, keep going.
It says {"hour": 2, "minute": 50, "second": 20}
